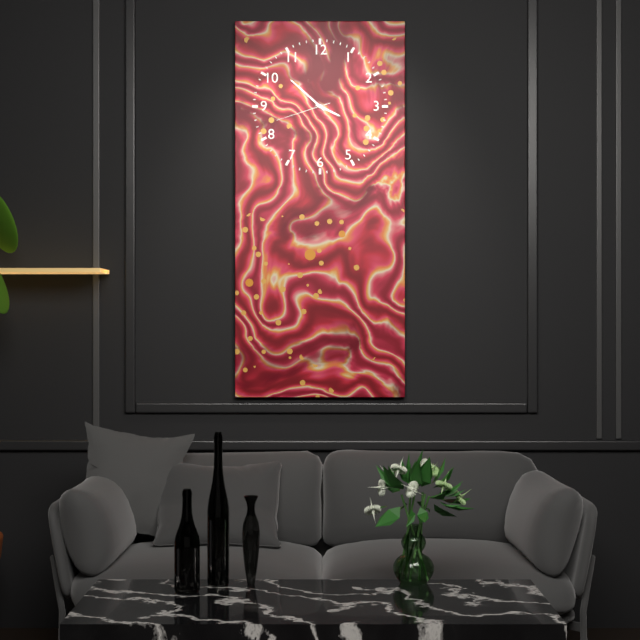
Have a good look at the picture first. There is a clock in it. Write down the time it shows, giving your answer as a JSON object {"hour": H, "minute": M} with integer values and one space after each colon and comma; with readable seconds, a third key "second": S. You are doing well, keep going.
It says {"hour": 3, "minute": 52, "second": 42}
